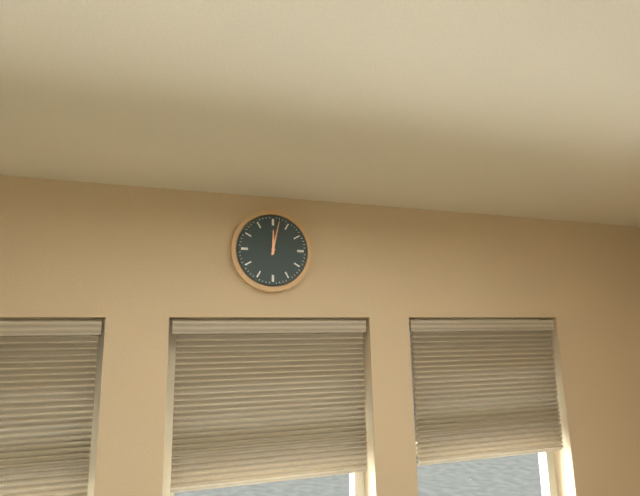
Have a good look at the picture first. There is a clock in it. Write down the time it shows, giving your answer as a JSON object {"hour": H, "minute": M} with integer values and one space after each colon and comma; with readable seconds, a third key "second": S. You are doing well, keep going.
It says {"hour": 12, "minute": 2}
